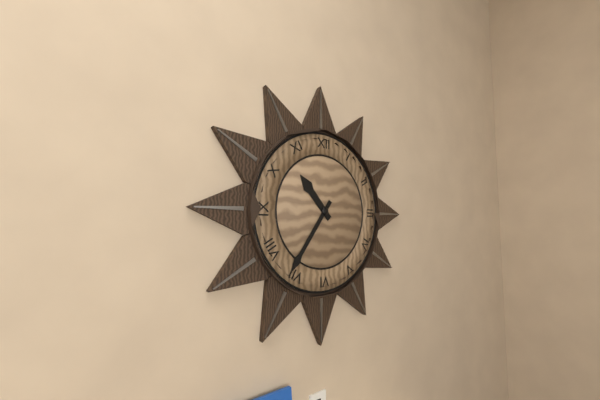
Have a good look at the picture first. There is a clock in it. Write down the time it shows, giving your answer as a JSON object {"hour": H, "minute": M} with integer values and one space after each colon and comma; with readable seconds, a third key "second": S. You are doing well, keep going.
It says {"hour": 10, "minute": 36}
